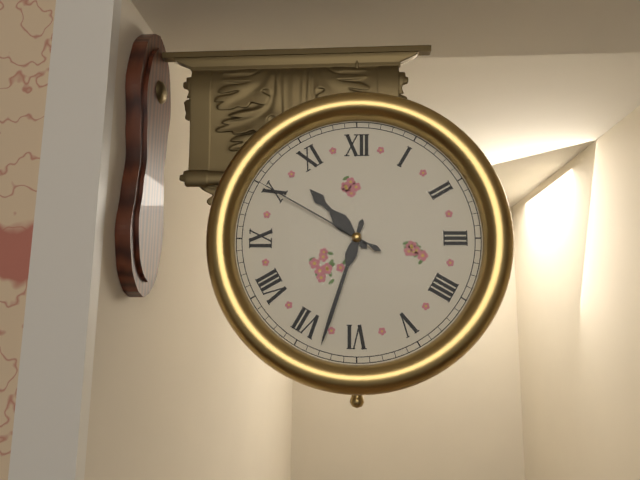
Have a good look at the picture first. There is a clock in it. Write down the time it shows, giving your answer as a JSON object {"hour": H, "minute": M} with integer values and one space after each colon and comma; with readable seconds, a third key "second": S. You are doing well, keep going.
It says {"hour": 10, "minute": 33, "second": 50}
